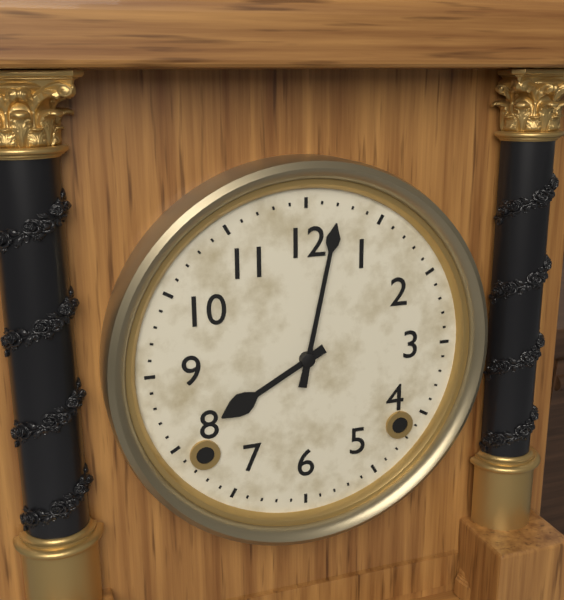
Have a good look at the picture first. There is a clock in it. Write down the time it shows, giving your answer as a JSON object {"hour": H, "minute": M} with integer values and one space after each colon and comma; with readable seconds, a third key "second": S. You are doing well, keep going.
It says {"hour": 8, "minute": 2}
